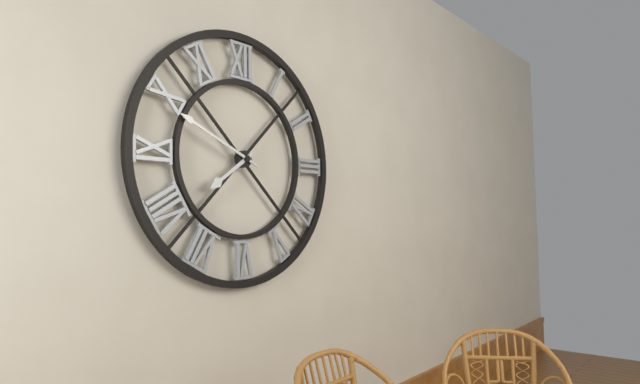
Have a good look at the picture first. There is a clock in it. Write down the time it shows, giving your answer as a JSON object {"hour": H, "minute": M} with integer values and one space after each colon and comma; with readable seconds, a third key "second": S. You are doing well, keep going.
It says {"hour": 7, "minute": 49}
